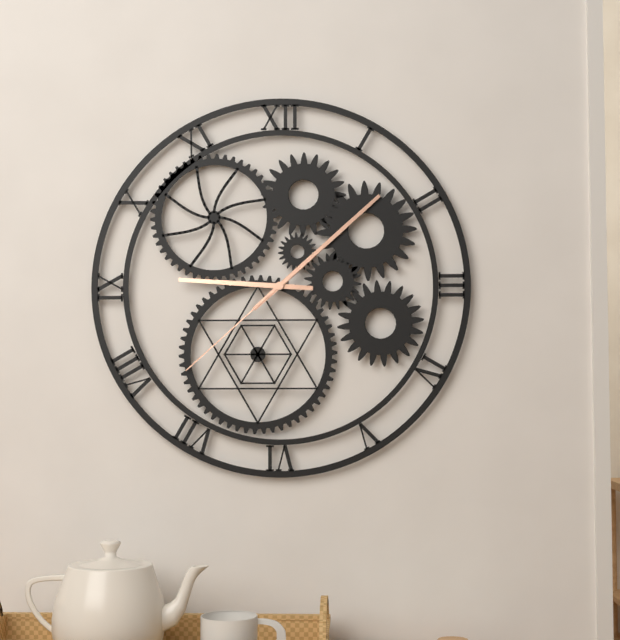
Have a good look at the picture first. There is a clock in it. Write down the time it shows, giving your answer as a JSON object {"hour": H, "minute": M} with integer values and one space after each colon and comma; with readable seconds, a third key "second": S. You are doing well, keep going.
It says {"hour": 9, "minute": 8, "second": 38}
